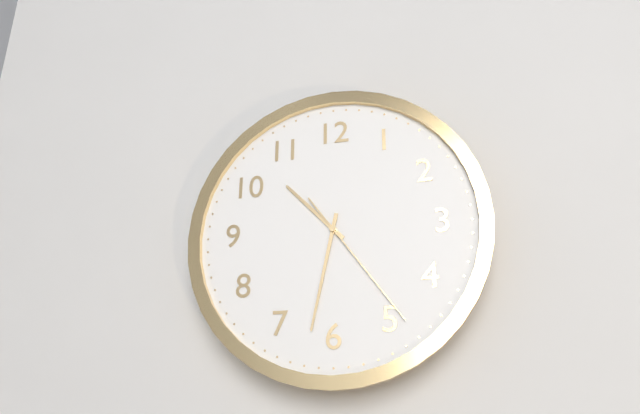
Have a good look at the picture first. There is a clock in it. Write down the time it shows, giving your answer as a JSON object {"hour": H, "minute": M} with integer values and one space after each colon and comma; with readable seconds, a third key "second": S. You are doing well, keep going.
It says {"hour": 10, "minute": 32, "second": 24}
